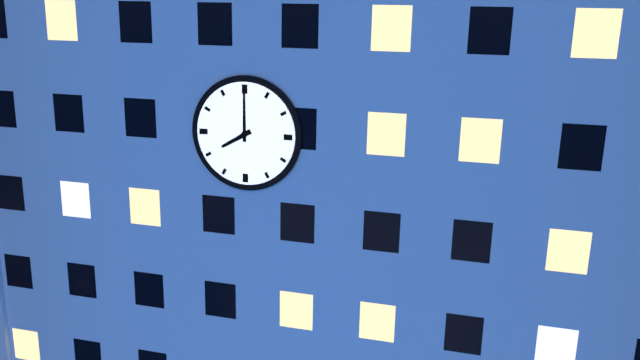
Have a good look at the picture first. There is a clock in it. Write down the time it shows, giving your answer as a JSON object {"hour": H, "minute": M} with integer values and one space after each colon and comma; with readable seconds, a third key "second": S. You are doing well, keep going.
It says {"hour": 8, "minute": 0}
